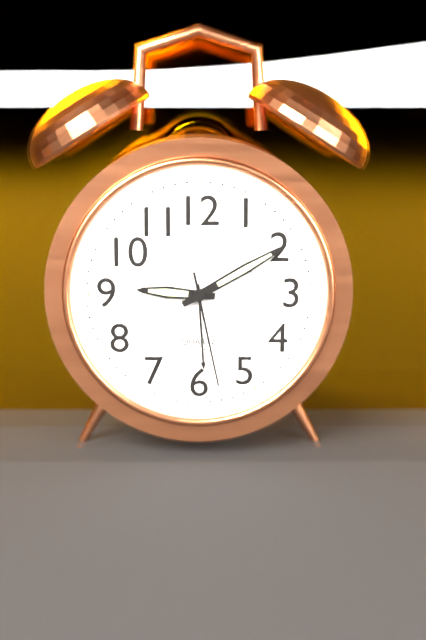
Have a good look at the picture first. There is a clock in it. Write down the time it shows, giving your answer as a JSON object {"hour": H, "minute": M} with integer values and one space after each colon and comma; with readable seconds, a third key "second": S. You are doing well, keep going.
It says {"hour": 9, "minute": 10, "second": 28}
